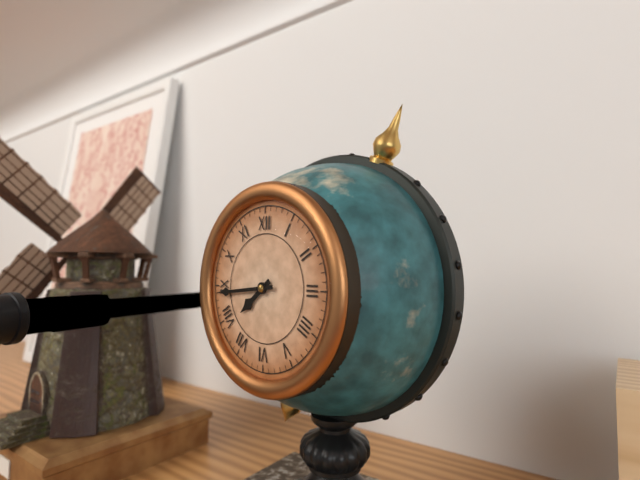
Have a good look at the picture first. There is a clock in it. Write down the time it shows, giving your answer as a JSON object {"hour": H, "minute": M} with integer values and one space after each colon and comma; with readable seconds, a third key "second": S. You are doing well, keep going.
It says {"hour": 7, "minute": 44}
